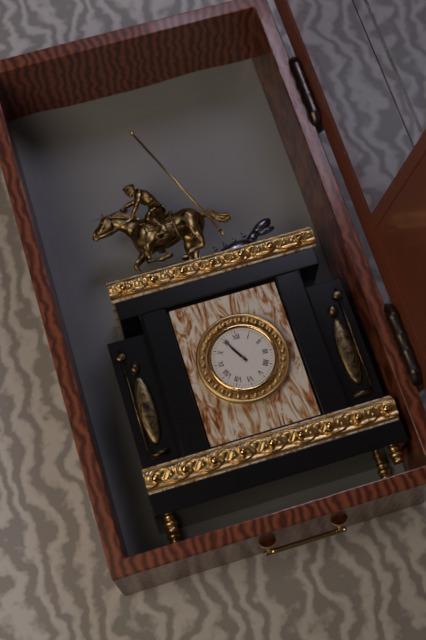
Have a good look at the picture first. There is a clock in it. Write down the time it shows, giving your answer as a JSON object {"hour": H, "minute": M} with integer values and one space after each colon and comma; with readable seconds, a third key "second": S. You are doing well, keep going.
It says {"hour": 10, "minute": 55}
